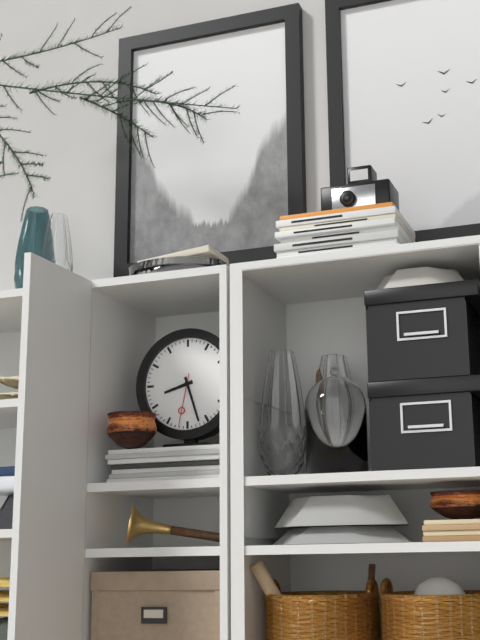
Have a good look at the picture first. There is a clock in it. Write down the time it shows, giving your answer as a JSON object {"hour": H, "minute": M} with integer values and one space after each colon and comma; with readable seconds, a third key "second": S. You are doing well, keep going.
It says {"hour": 8, "minute": 27, "second": 32}
